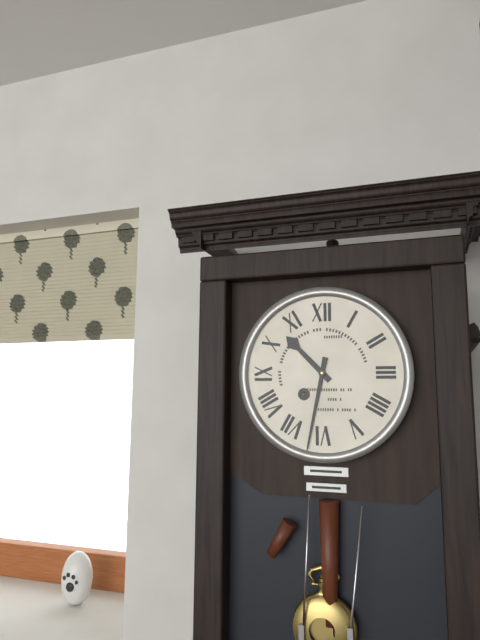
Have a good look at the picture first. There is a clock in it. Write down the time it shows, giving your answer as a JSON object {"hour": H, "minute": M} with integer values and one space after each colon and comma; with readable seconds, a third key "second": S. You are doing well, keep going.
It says {"hour": 10, "minute": 32}
